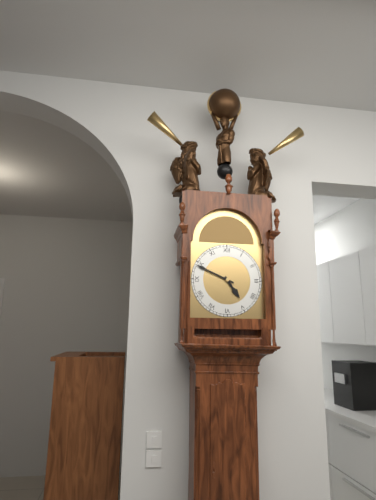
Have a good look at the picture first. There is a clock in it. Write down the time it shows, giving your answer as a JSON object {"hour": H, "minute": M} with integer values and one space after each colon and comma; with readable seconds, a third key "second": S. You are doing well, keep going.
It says {"hour": 4, "minute": 49}
